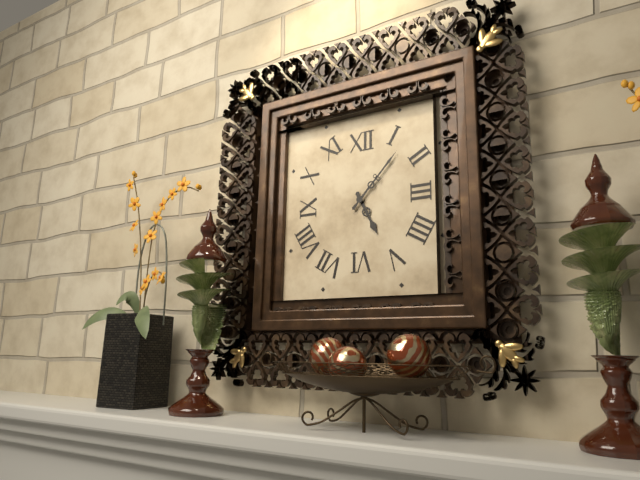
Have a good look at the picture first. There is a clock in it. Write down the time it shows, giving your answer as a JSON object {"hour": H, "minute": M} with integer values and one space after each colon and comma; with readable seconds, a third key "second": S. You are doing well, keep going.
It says {"hour": 5, "minute": 7}
